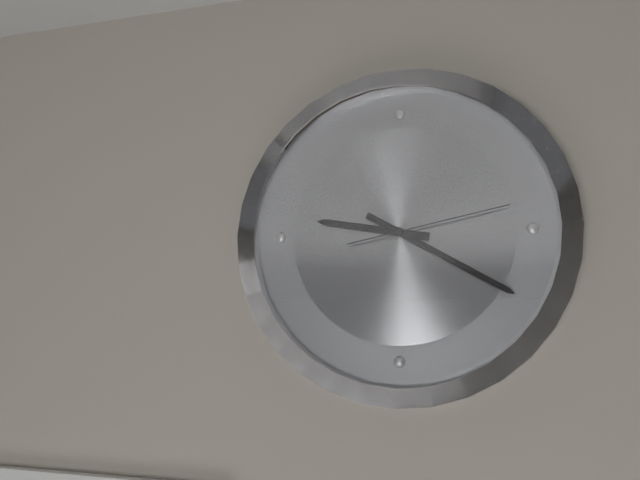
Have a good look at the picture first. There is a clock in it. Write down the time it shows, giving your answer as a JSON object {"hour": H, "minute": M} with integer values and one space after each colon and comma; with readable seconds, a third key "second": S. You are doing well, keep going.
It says {"hour": 9, "minute": 20, "second": 13}
